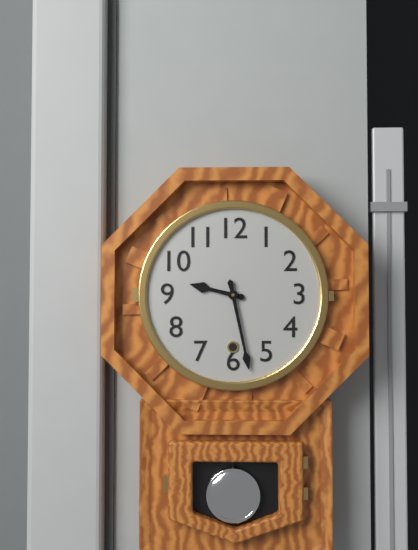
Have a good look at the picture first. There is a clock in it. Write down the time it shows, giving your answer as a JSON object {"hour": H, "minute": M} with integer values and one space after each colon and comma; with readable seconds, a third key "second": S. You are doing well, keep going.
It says {"hour": 9, "minute": 28}
